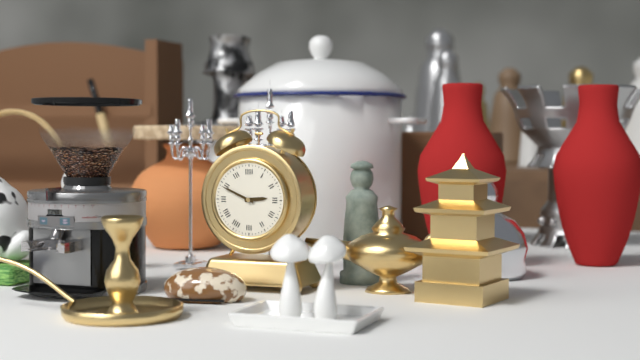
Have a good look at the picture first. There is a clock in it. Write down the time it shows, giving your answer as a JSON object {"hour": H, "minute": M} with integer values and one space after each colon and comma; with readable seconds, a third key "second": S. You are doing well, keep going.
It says {"hour": 2, "minute": 49}
